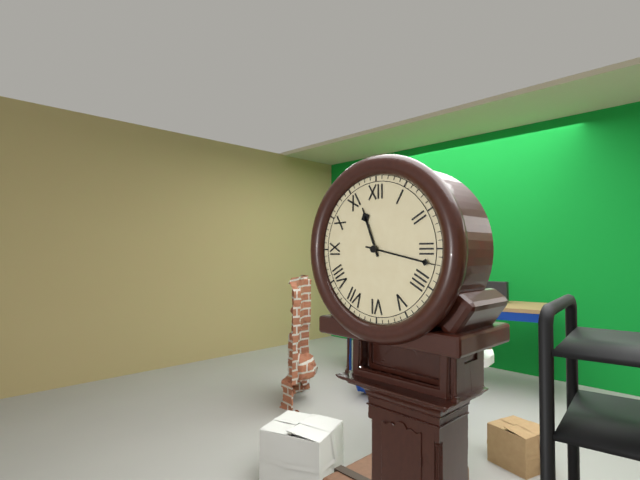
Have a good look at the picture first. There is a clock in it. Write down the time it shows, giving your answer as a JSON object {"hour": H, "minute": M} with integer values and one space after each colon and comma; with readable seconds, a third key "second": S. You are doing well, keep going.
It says {"hour": 11, "minute": 17}
